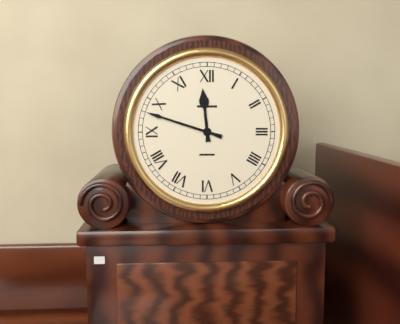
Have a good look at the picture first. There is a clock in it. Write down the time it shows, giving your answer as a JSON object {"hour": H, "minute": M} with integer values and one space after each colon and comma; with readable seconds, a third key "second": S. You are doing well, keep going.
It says {"hour": 11, "minute": 48}
